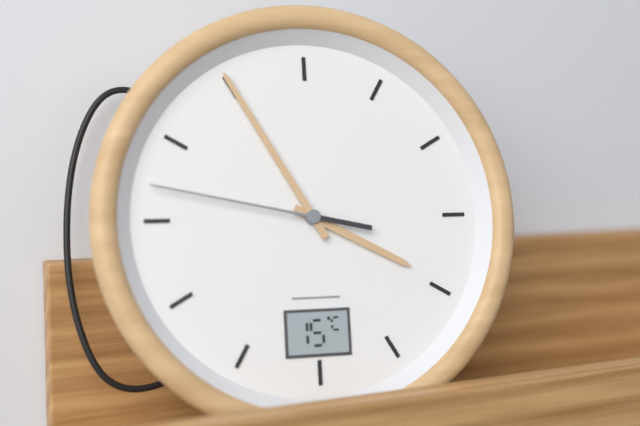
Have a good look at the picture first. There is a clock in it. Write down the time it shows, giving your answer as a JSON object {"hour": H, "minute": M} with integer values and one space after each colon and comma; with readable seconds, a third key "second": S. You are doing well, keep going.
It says {"hour": 3, "minute": 55, "second": 47}
